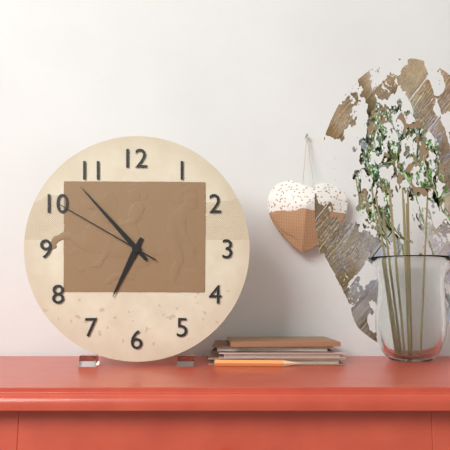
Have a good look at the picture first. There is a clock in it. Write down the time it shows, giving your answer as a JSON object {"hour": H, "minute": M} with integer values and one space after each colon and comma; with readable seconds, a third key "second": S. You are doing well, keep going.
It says {"hour": 6, "minute": 53, "second": 50}
